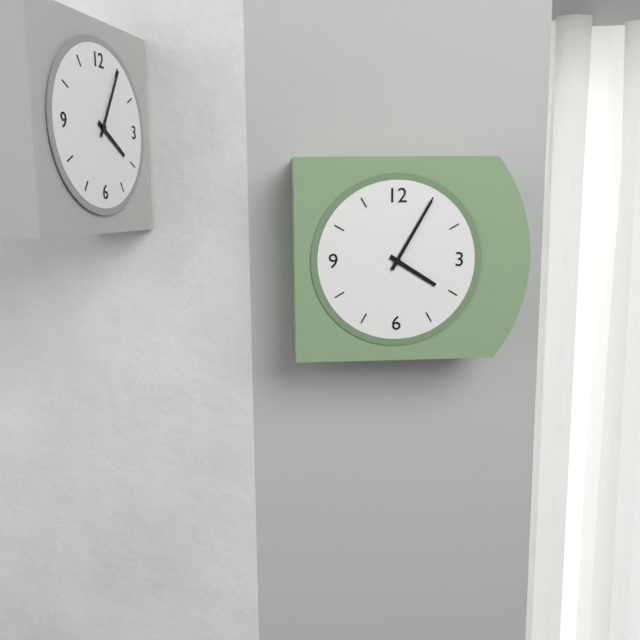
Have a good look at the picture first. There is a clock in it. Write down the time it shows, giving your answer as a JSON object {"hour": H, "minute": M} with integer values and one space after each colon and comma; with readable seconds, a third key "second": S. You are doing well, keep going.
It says {"hour": 4, "minute": 5}
